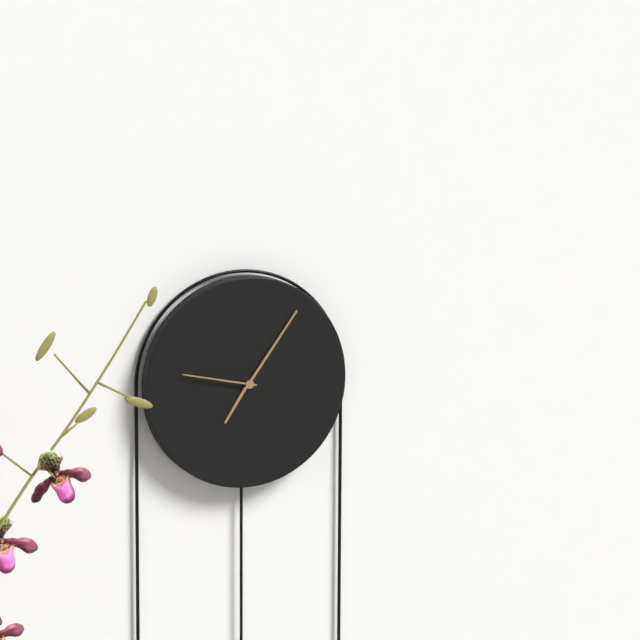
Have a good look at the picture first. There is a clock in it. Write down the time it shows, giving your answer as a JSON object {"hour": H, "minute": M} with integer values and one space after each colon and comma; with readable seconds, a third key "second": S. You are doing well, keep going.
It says {"hour": 7, "minute": 6, "second": 47}
